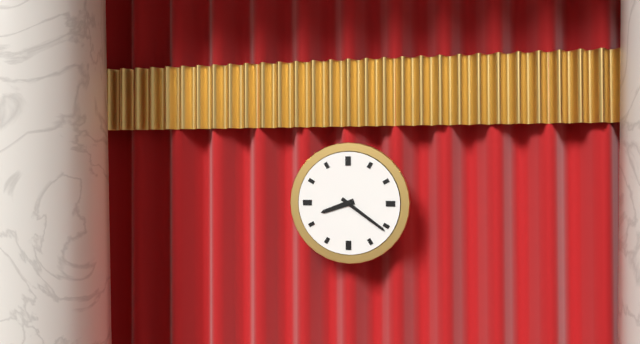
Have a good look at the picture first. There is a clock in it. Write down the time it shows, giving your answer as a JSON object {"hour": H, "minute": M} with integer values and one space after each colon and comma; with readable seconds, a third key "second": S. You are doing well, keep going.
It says {"hour": 8, "minute": 21}
